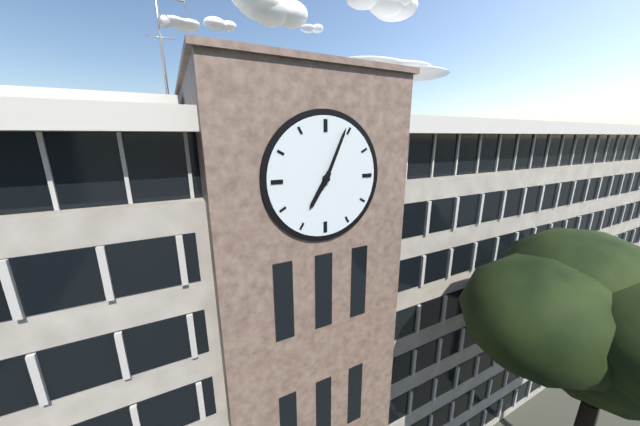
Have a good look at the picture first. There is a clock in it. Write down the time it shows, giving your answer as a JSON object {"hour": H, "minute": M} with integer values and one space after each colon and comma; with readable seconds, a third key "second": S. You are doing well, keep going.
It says {"hour": 7, "minute": 4}
